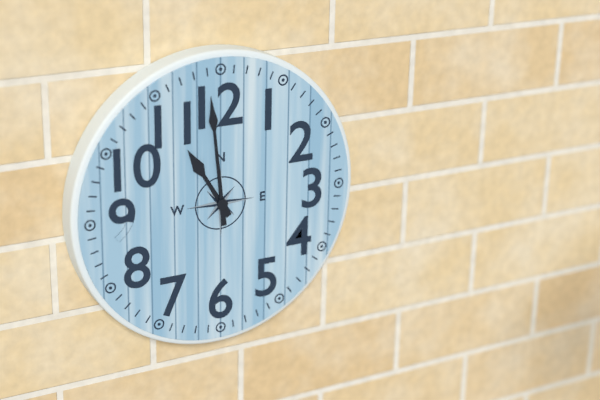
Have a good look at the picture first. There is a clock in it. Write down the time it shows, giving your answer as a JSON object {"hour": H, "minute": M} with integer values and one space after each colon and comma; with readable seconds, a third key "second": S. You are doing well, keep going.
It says {"hour": 10, "minute": 59}
